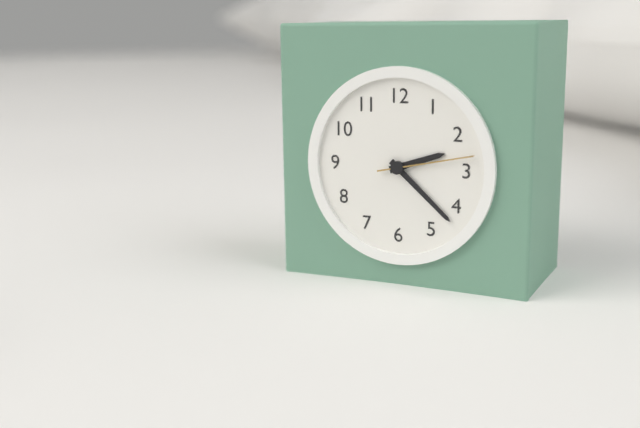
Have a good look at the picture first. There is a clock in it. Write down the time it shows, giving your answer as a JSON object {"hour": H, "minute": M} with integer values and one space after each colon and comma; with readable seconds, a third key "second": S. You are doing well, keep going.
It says {"hour": 2, "minute": 22, "second": 13}
